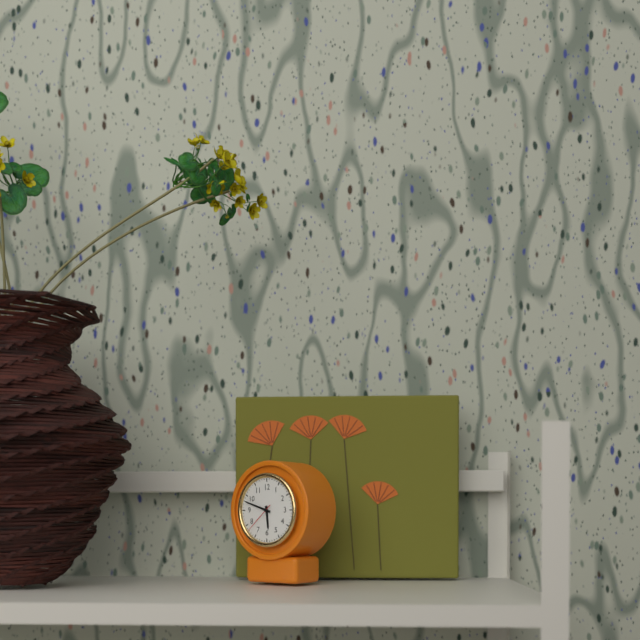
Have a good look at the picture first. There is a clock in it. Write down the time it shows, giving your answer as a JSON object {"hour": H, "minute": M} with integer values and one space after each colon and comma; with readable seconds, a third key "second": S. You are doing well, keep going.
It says {"hour": 5, "minute": 48}
